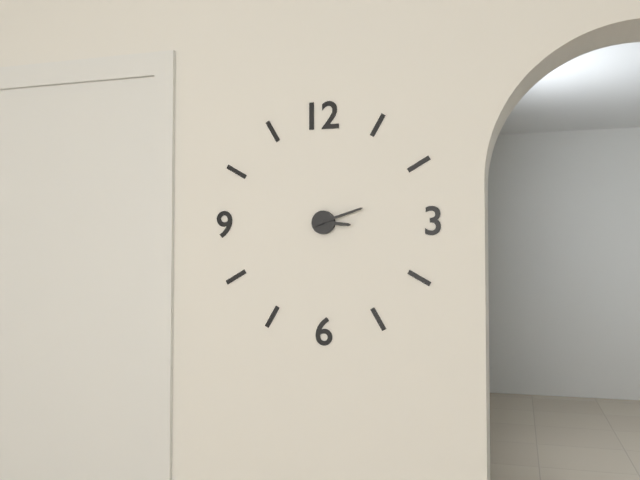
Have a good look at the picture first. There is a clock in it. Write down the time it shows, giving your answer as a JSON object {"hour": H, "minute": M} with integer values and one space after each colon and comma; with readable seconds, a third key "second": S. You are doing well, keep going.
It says {"hour": 3, "minute": 12}
